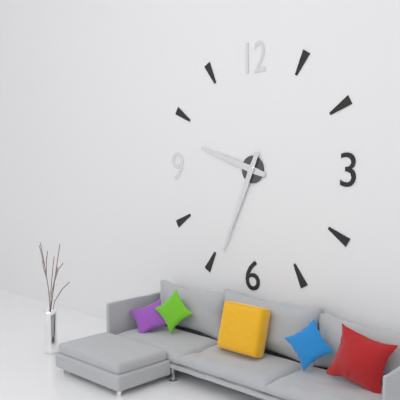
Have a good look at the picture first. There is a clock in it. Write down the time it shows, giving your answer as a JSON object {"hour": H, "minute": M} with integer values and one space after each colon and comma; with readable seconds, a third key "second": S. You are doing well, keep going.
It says {"hour": 9, "minute": 34}
